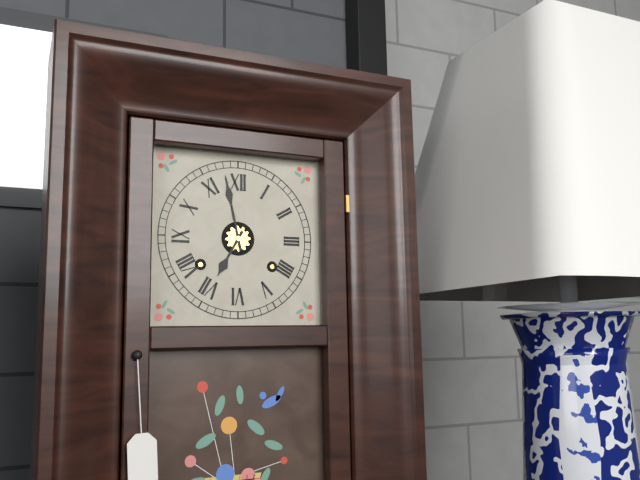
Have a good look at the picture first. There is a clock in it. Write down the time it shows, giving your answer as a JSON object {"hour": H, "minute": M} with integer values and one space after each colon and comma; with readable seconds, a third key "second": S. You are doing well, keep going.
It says {"hour": 6, "minute": 58}
